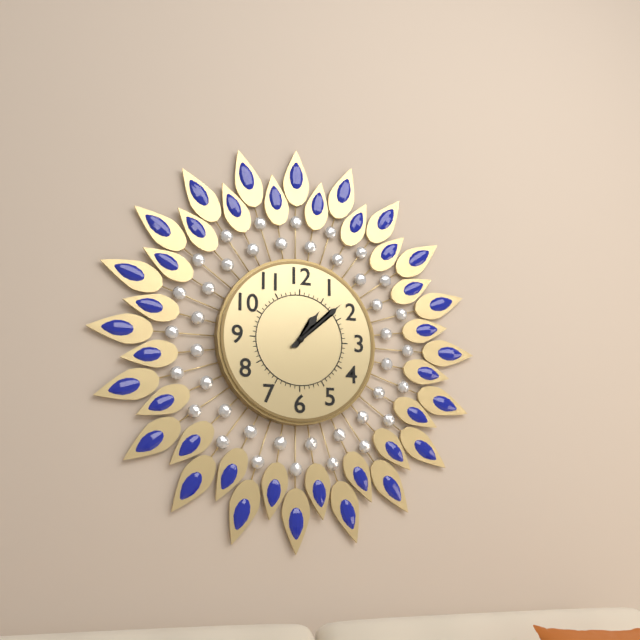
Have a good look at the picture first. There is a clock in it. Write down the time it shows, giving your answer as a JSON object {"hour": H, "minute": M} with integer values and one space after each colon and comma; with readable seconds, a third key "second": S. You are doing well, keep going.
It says {"hour": 1, "minute": 8}
